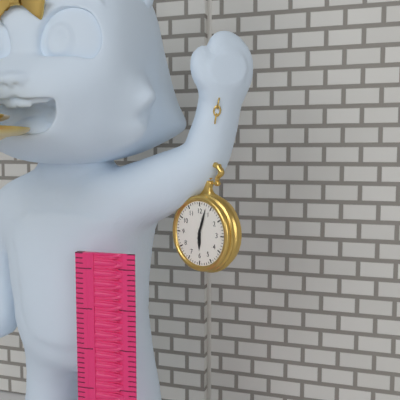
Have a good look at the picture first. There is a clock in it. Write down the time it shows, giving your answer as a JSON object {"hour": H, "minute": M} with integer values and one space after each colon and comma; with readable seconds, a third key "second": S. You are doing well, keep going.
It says {"hour": 6, "minute": 3}
